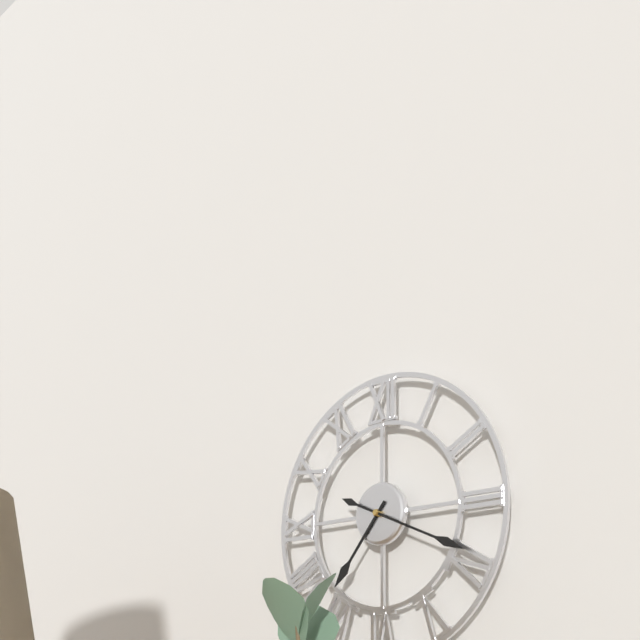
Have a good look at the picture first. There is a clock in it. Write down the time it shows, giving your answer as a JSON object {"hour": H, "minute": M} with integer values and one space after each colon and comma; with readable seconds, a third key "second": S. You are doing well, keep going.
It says {"hour": 7, "minute": 19}
